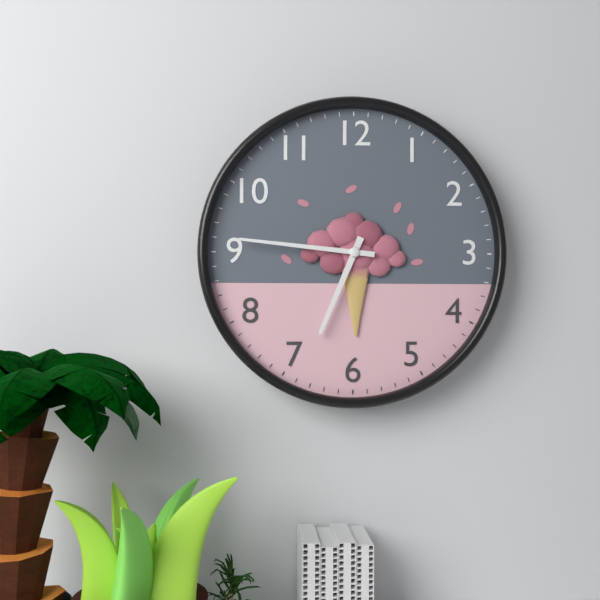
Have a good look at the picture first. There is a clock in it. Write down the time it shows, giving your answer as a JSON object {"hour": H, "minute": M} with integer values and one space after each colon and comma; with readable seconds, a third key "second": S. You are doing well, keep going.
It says {"hour": 6, "minute": 46}
